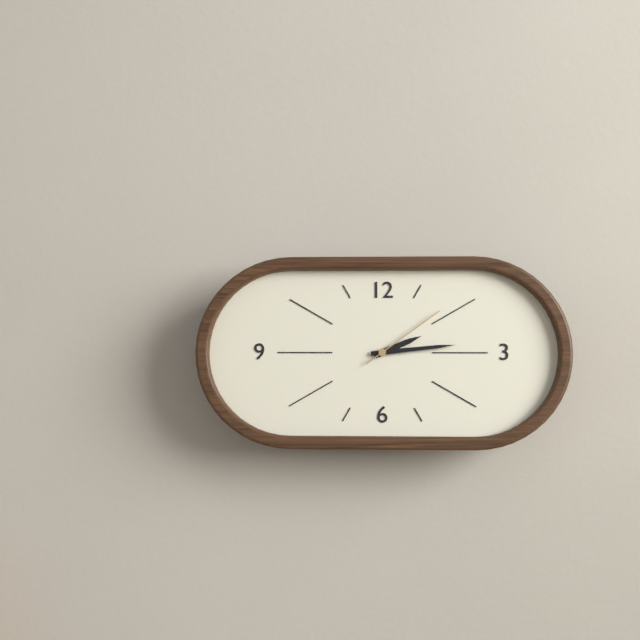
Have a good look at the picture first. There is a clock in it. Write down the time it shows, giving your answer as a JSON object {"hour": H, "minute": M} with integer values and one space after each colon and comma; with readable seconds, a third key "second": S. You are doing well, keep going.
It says {"hour": 2, "minute": 14, "second": 9}
